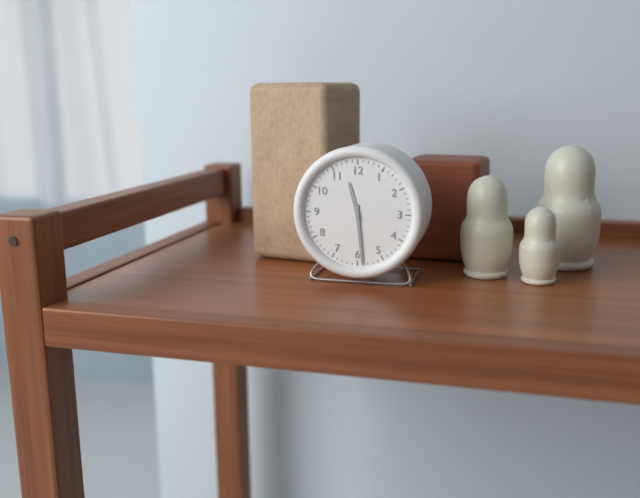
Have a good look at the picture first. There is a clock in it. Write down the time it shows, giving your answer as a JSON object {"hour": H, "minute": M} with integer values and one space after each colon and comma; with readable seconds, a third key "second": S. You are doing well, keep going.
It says {"hour": 11, "minute": 29}
